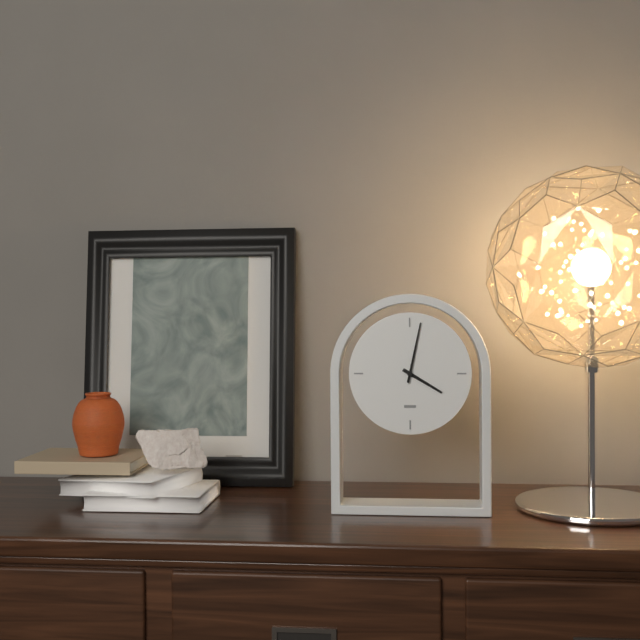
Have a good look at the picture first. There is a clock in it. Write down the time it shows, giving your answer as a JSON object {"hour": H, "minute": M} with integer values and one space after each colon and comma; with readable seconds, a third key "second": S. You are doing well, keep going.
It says {"hour": 4, "minute": 2}
